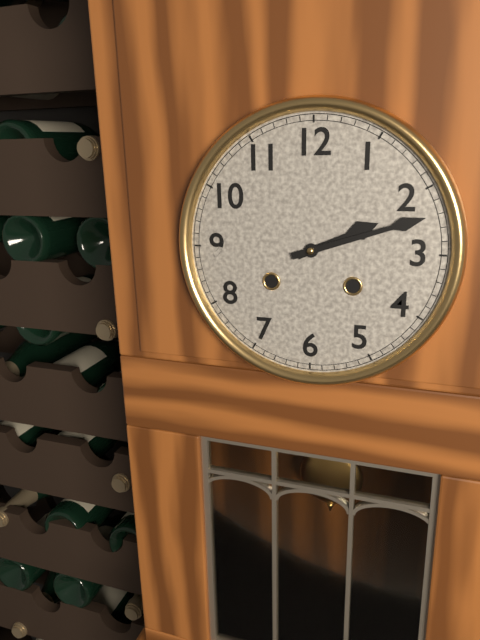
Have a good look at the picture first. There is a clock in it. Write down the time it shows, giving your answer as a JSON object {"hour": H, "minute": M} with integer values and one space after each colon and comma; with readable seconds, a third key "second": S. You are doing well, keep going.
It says {"hour": 2, "minute": 12}
